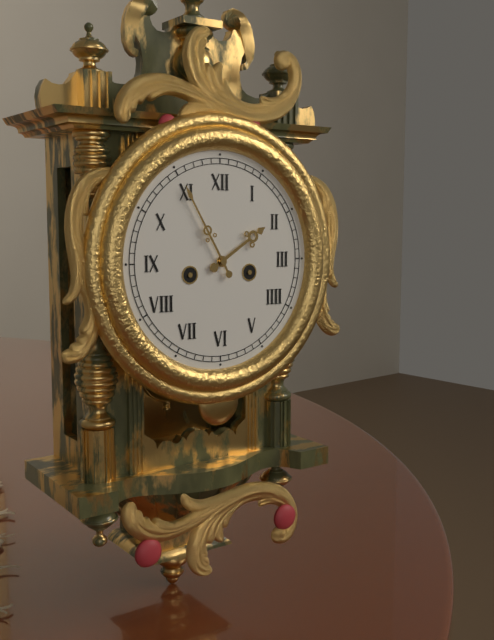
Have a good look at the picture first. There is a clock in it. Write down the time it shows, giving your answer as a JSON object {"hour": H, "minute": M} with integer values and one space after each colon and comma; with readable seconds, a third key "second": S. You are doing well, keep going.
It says {"hour": 1, "minute": 55}
